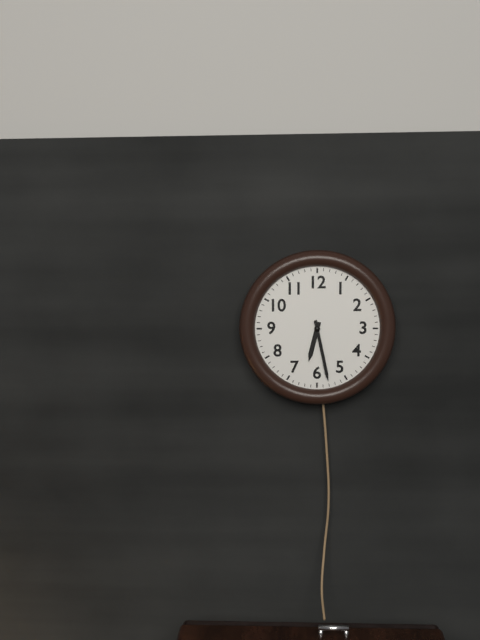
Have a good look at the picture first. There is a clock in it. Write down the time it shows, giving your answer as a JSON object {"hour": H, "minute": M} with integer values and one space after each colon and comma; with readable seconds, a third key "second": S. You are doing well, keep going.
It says {"hour": 6, "minute": 28}
